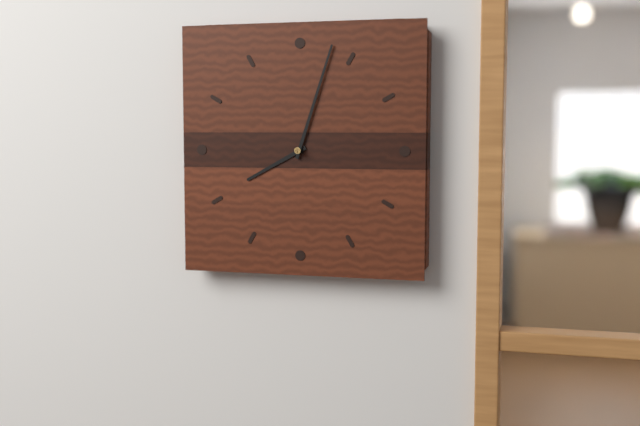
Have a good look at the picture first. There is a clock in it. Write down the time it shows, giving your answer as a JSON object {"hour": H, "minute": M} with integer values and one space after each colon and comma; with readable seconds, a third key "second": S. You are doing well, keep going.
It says {"hour": 8, "minute": 3}
